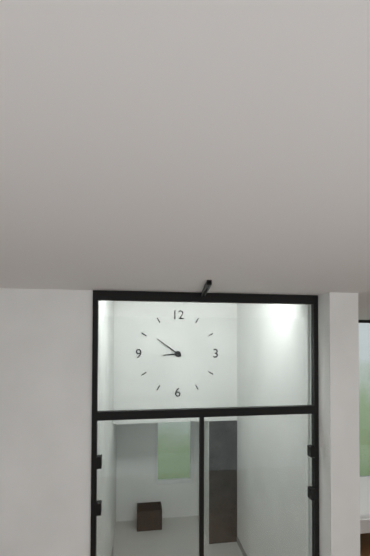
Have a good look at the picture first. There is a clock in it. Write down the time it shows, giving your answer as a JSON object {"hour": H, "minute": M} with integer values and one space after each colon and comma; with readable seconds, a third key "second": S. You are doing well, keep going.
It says {"hour": 8, "minute": 51}
